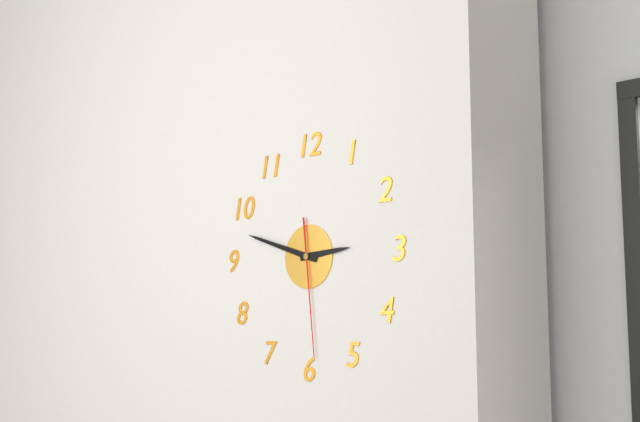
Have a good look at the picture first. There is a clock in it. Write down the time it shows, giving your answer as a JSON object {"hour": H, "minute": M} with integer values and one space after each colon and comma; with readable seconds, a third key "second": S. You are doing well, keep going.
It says {"hour": 2, "minute": 48, "second": 29}
